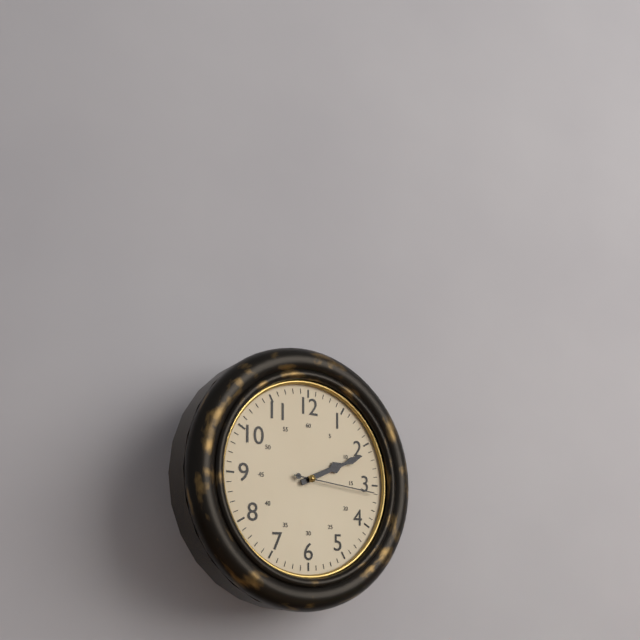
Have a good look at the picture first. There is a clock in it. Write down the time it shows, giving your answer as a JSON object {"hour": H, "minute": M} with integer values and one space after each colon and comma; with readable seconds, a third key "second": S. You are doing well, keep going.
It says {"hour": 2, "minute": 11, "second": 16}
